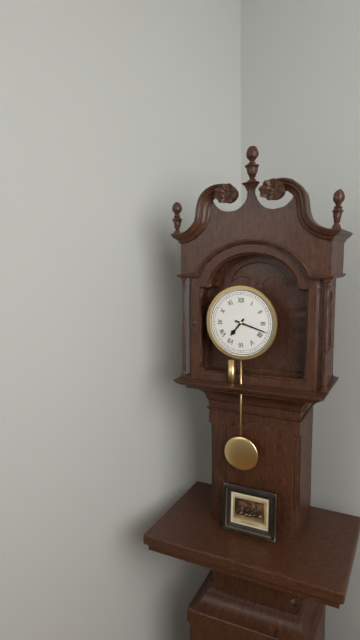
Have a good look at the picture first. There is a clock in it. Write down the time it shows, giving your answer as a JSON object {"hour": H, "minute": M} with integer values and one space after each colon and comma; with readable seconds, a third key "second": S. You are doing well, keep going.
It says {"hour": 7, "minute": 18}
